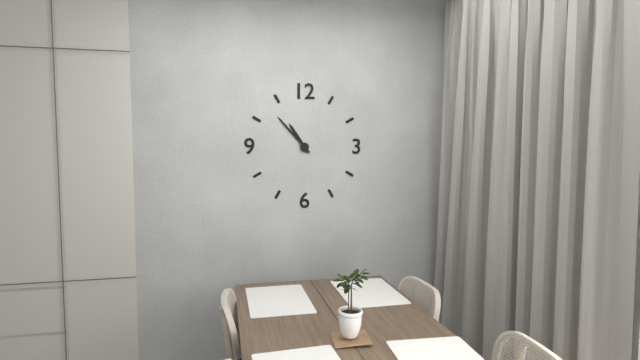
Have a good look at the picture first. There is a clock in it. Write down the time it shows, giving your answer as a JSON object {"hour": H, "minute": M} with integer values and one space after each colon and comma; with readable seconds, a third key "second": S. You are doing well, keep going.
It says {"hour": 10, "minute": 53}
